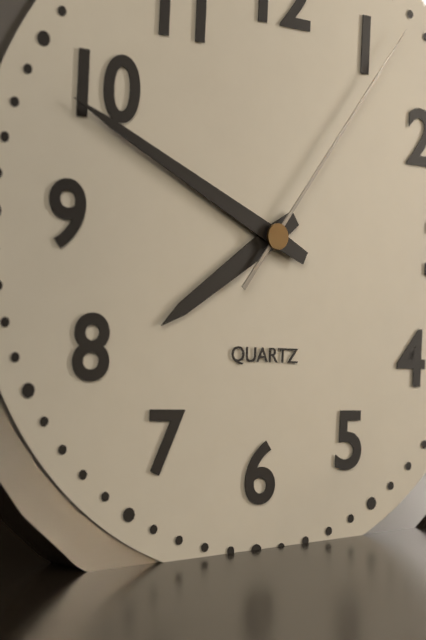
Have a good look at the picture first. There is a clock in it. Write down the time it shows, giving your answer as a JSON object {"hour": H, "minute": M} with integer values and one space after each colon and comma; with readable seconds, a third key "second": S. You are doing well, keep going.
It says {"hour": 7, "minute": 49, "second": 6}
